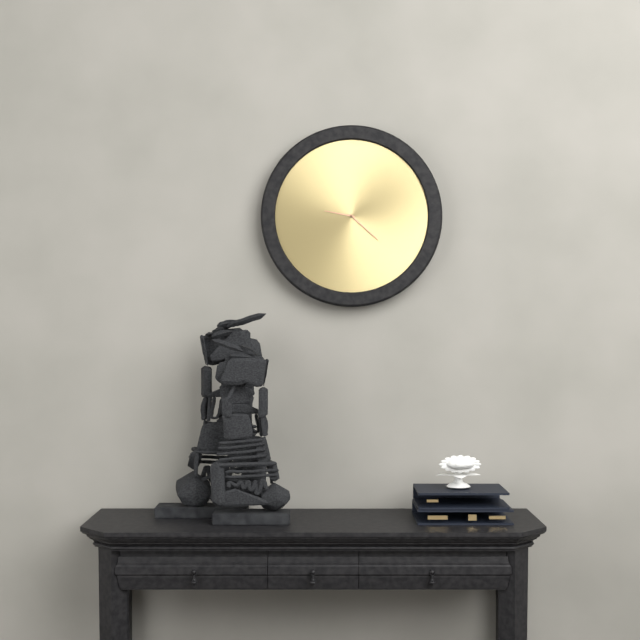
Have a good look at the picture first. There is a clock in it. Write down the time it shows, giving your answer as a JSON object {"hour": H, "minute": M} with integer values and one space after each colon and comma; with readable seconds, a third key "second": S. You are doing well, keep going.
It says {"hour": 9, "minute": 22}
